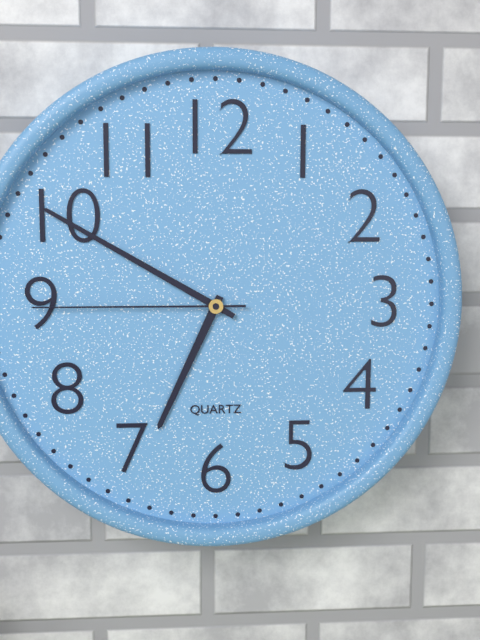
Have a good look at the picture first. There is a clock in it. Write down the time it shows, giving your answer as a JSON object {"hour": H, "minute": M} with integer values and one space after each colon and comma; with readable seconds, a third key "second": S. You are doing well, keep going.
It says {"hour": 6, "minute": 50, "second": 45}
